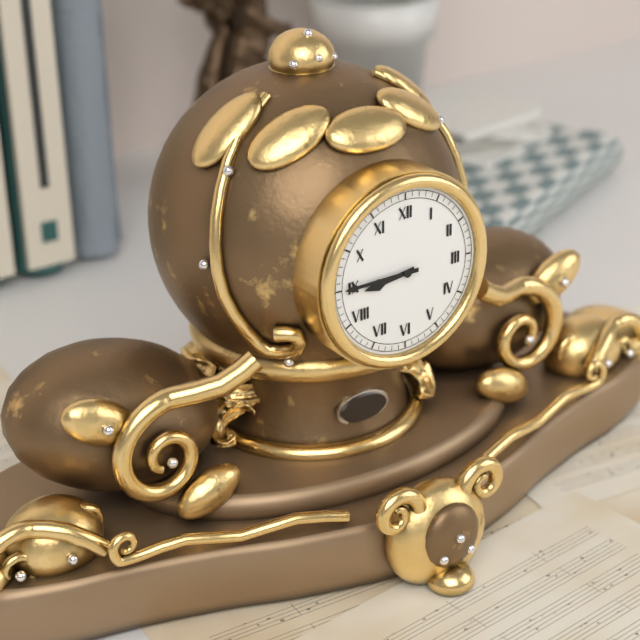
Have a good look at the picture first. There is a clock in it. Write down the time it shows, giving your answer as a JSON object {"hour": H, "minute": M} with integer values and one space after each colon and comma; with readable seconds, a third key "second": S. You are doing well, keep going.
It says {"hour": 8, "minute": 45}
